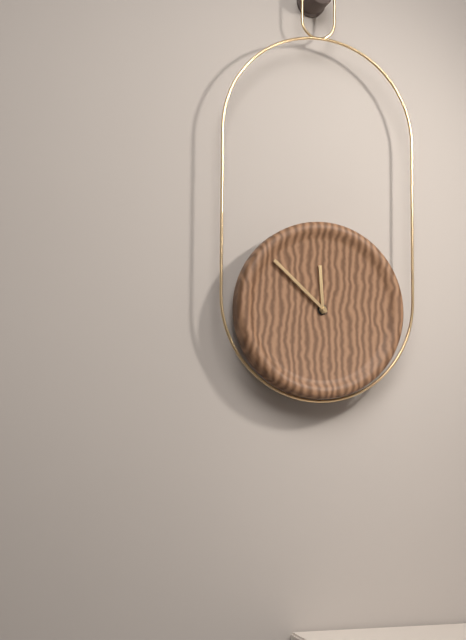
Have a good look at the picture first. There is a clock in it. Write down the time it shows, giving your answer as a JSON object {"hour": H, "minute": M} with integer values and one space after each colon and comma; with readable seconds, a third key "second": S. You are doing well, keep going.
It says {"hour": 11, "minute": 52}
